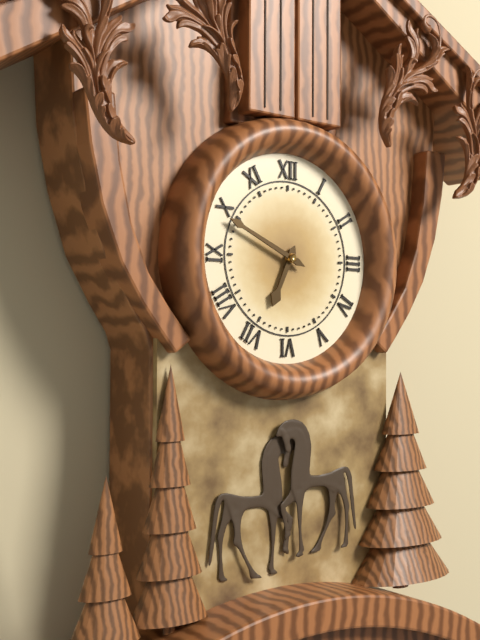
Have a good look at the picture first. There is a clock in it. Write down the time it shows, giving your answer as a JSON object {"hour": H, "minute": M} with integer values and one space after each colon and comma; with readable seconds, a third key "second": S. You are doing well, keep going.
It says {"hour": 6, "minute": 49}
